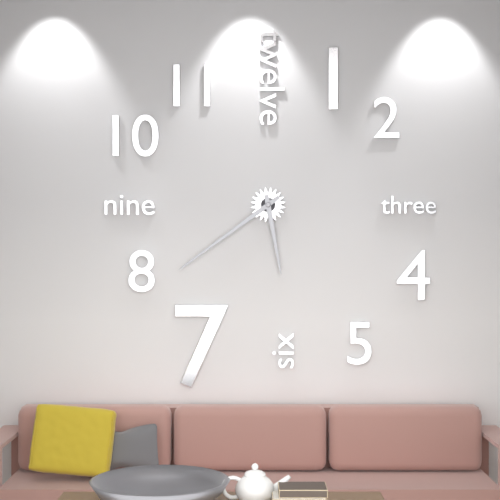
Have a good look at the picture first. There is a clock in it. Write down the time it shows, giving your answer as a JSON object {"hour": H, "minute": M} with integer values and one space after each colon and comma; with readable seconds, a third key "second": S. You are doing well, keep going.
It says {"hour": 5, "minute": 39}
